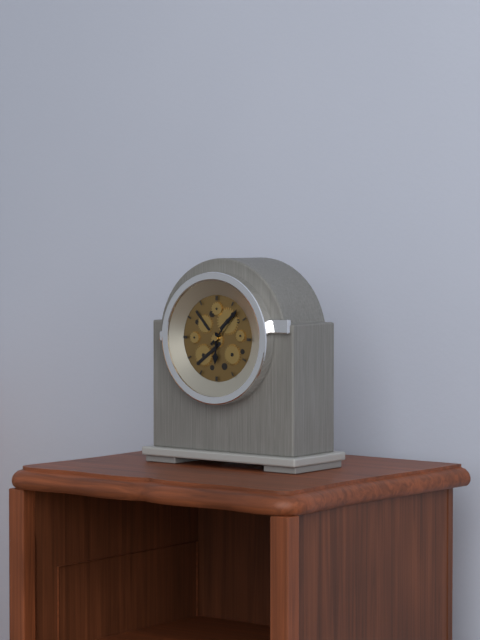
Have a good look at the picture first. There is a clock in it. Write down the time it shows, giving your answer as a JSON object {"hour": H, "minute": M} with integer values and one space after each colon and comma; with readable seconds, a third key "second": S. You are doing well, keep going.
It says {"hour": 6, "minute": 7}
